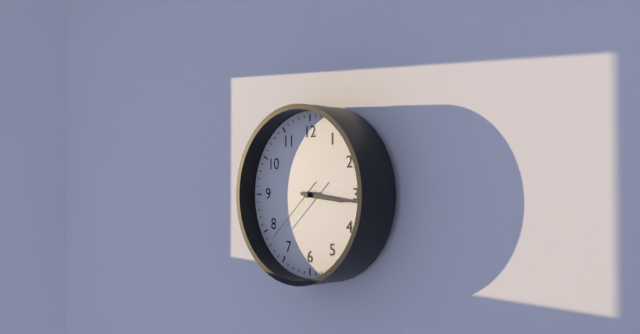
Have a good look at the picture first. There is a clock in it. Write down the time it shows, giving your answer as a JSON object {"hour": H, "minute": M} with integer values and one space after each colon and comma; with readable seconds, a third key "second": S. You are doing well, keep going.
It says {"hour": 3, "minute": 16, "second": 38}
